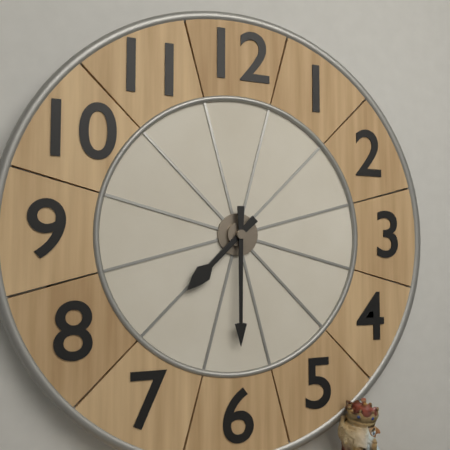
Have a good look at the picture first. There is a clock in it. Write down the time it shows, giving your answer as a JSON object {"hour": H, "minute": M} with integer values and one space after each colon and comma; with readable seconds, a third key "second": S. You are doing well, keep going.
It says {"hour": 7, "minute": 30}
